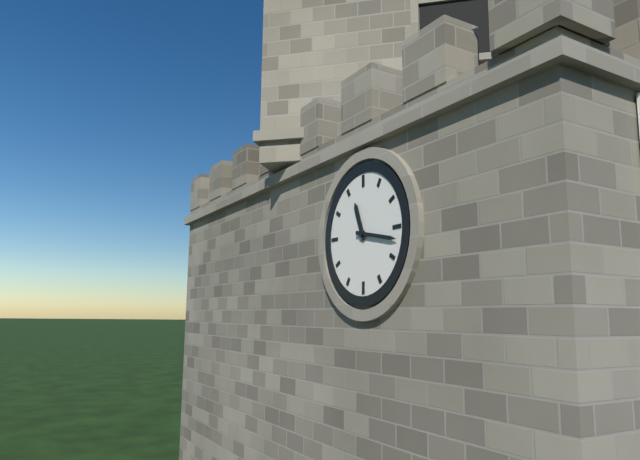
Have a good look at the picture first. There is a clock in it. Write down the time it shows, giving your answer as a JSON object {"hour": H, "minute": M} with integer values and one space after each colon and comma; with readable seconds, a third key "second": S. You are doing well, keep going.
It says {"hour": 11, "minute": 17}
